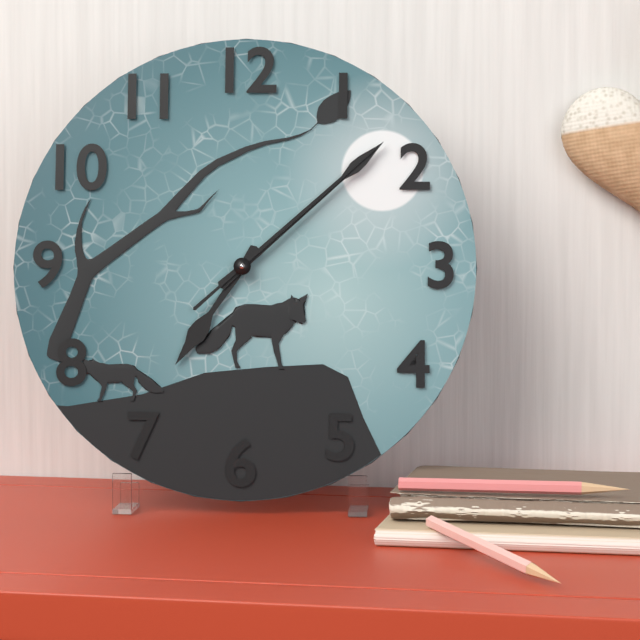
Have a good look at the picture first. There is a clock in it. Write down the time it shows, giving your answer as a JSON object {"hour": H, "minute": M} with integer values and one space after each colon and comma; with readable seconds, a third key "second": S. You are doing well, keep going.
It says {"hour": 7, "minute": 8, "second": 8}
